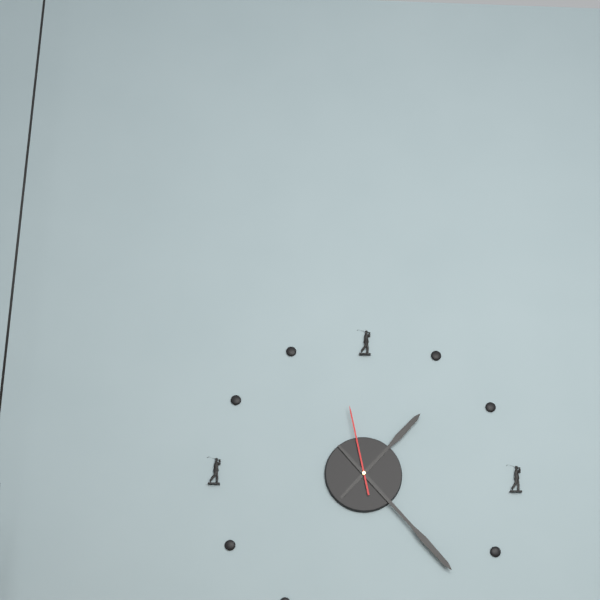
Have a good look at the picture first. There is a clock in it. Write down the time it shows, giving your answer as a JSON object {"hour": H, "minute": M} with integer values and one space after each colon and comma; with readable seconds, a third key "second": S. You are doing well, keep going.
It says {"hour": 1, "minute": 23, "second": 58}
